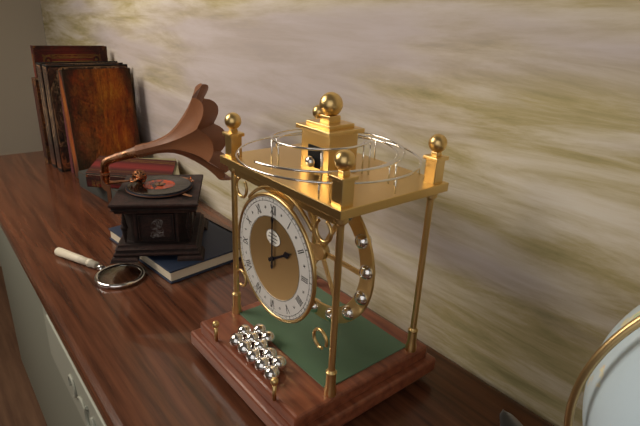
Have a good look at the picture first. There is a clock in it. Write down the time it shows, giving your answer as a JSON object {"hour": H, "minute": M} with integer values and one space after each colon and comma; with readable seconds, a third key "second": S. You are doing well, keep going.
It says {"hour": 2, "minute": 0}
